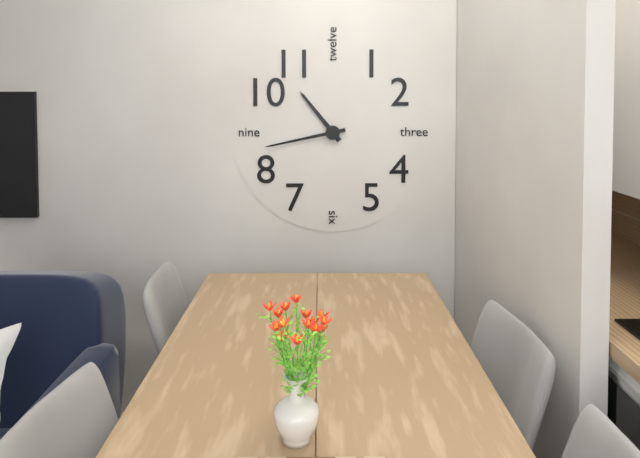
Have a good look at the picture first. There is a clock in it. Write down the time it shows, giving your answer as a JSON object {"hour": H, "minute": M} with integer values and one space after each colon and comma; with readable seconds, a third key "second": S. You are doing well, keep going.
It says {"hour": 10, "minute": 43}
